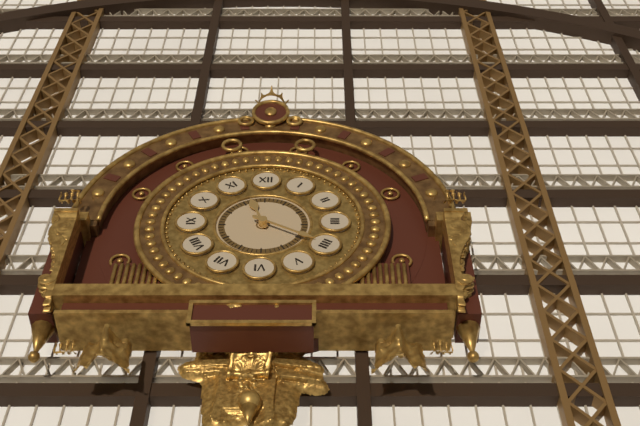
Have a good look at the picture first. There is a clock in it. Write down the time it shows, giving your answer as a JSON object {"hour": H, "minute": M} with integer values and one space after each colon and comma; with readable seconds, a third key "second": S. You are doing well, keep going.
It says {"hour": 11, "minute": 20}
